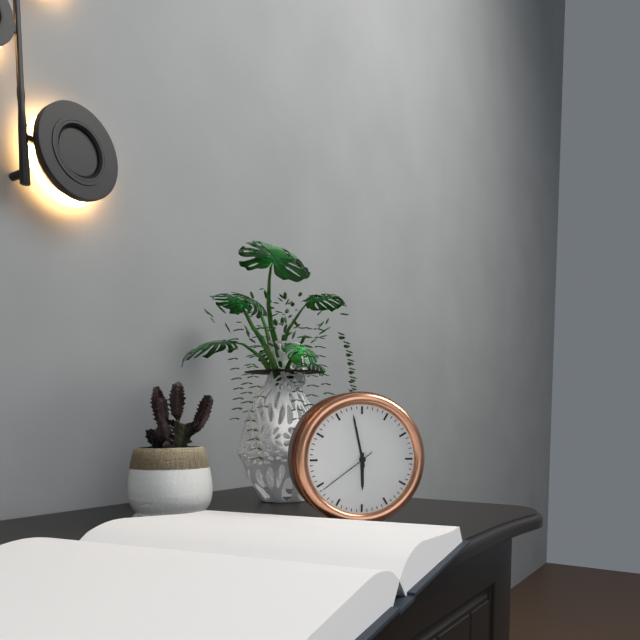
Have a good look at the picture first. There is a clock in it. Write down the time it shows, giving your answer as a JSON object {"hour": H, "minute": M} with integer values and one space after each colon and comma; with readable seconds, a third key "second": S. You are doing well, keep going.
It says {"hour": 5, "minute": 58, "second": 39}
